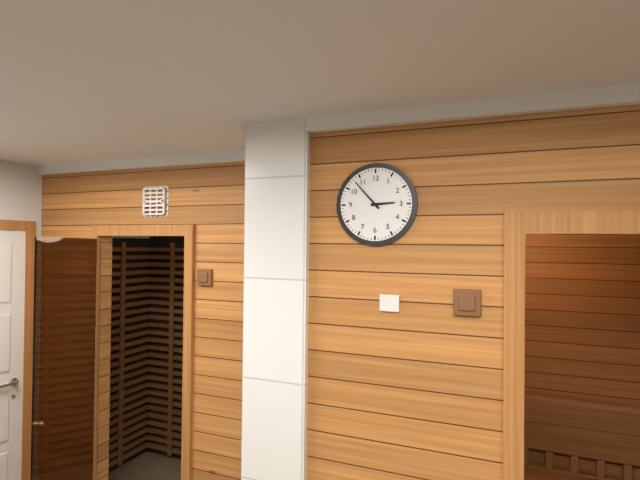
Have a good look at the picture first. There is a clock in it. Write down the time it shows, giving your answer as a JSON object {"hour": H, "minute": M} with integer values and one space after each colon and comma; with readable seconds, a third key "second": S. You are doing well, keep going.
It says {"hour": 2, "minute": 53}
